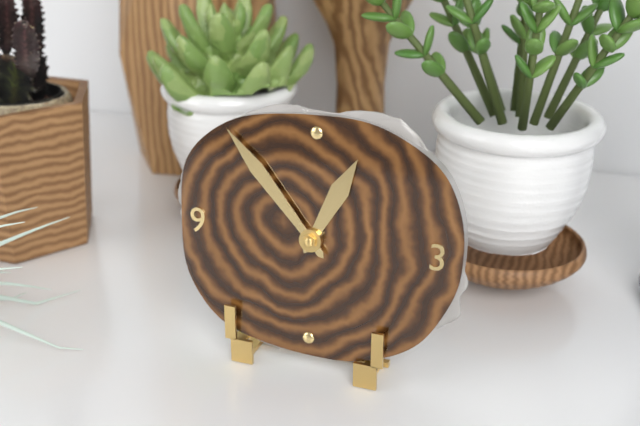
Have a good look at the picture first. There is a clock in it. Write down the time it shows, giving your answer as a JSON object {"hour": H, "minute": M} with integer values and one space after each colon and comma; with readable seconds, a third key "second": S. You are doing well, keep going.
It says {"hour": 12, "minute": 53}
